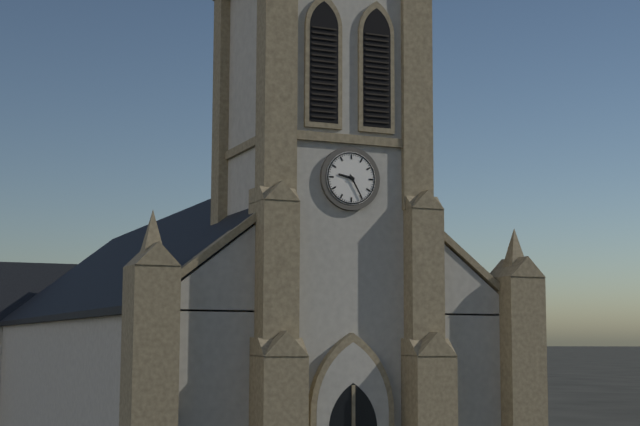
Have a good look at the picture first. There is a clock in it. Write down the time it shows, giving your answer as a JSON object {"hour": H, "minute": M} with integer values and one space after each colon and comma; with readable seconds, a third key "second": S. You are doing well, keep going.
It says {"hour": 9, "minute": 25}
